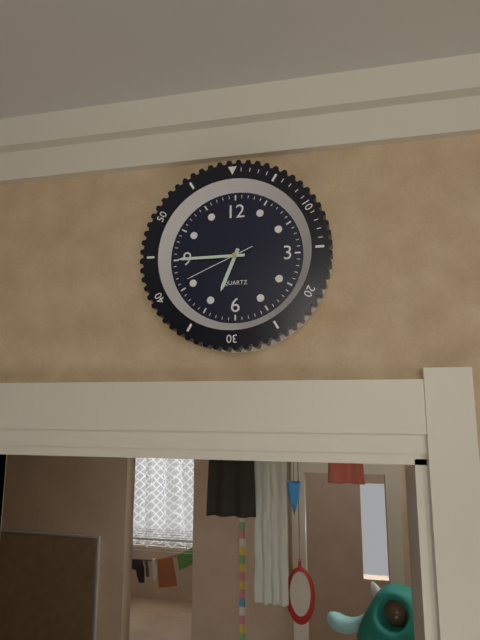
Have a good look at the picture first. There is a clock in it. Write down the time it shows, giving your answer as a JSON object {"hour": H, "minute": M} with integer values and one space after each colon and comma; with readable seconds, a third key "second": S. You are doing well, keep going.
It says {"hour": 6, "minute": 45, "second": 41}
